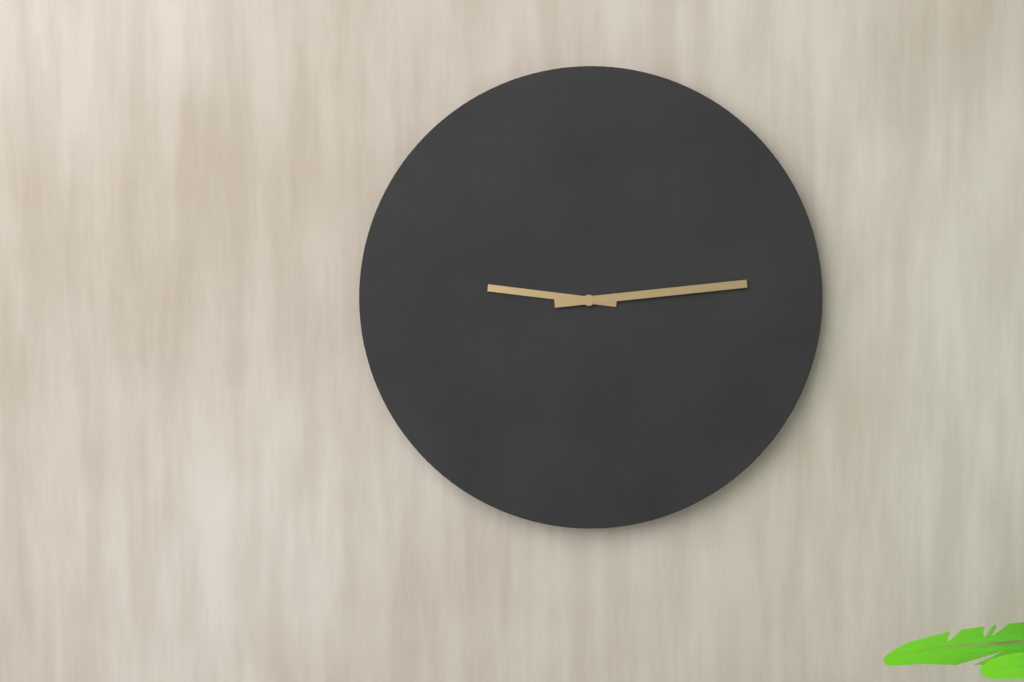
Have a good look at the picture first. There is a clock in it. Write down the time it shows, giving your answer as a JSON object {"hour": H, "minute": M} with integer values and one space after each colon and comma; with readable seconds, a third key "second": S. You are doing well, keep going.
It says {"hour": 9, "minute": 14}
